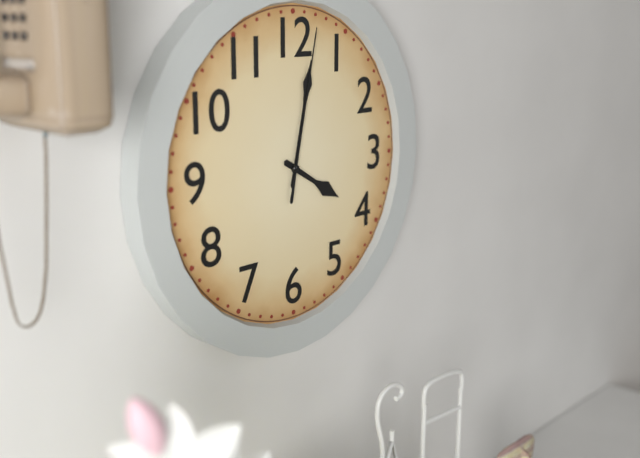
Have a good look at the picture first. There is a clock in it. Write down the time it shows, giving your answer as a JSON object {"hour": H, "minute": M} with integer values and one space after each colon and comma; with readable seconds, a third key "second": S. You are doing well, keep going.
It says {"hour": 4, "minute": 2, "second": 2}
